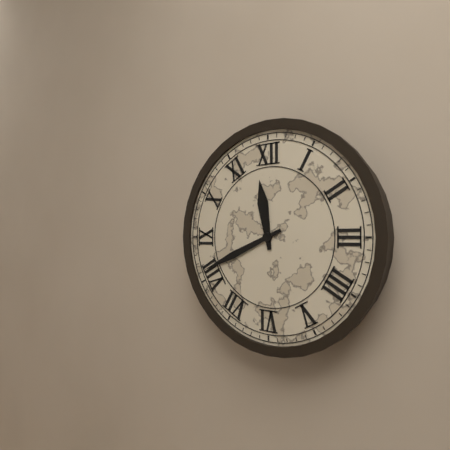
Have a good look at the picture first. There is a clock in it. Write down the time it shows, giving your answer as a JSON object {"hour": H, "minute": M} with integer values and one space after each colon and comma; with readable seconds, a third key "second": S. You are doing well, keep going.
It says {"hour": 11, "minute": 41}
